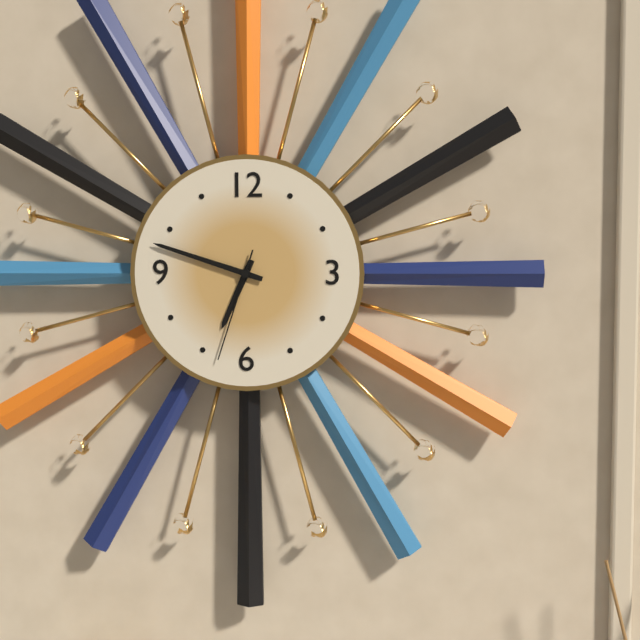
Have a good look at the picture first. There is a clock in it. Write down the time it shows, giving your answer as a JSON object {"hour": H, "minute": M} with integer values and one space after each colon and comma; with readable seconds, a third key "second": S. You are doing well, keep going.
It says {"hour": 6, "minute": 48, "second": 33}
